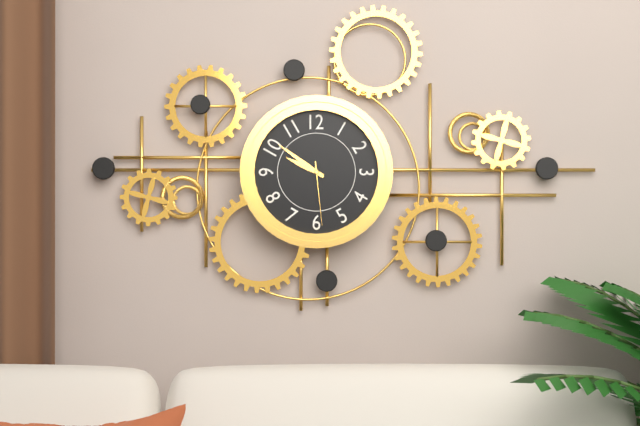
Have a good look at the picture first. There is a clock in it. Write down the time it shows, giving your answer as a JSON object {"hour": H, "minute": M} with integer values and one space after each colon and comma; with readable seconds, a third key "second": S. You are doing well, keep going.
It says {"hour": 9, "minute": 51, "second": 29}
